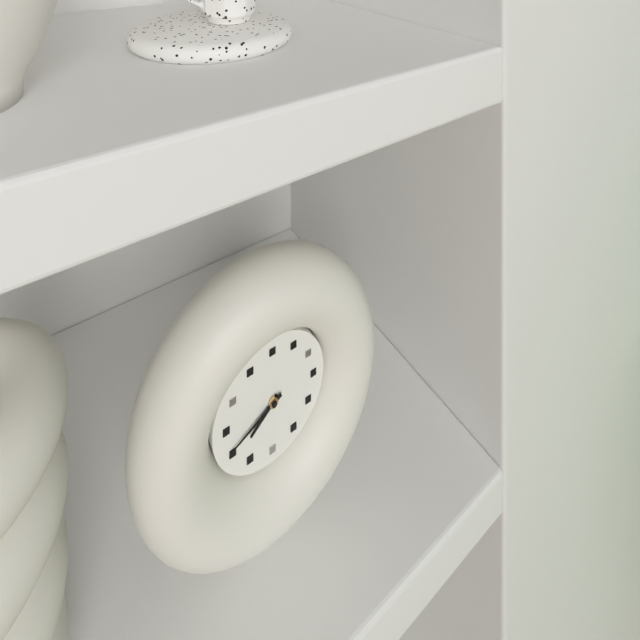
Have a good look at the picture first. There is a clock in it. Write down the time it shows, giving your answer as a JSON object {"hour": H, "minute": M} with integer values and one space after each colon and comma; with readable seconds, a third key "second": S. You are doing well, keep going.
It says {"hour": 7, "minute": 41}
